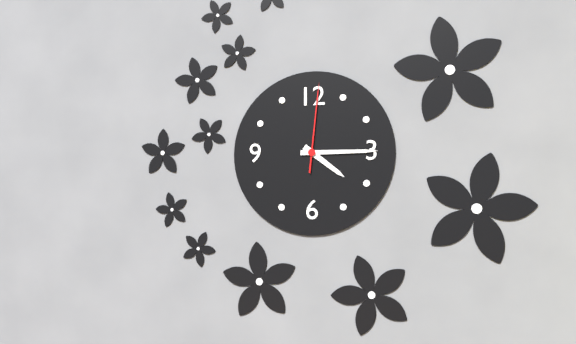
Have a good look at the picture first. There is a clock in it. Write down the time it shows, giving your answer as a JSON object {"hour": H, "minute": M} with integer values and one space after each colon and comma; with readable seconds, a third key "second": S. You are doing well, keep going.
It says {"hour": 4, "minute": 15, "second": 1}
